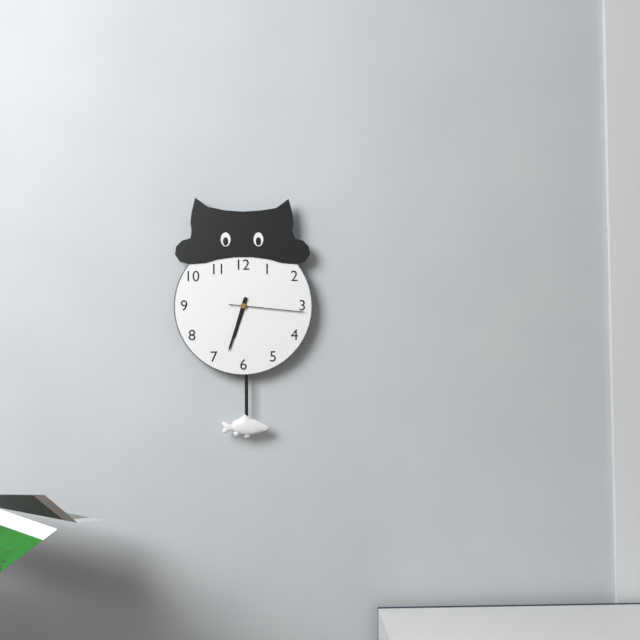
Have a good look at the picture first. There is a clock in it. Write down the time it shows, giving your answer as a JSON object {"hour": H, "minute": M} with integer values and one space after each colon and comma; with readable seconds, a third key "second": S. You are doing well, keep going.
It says {"hour": 6, "minute": 33, "second": 16}
